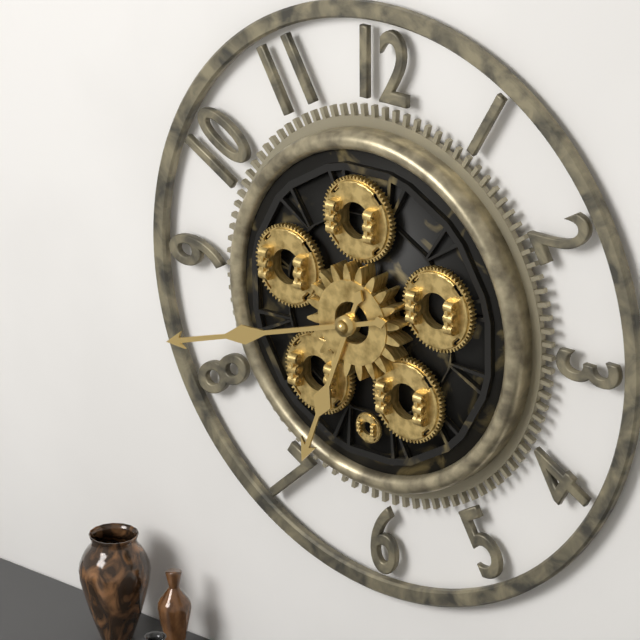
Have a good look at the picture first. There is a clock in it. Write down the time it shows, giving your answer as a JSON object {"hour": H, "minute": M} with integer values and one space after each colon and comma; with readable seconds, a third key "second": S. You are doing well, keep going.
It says {"hour": 6, "minute": 42}
